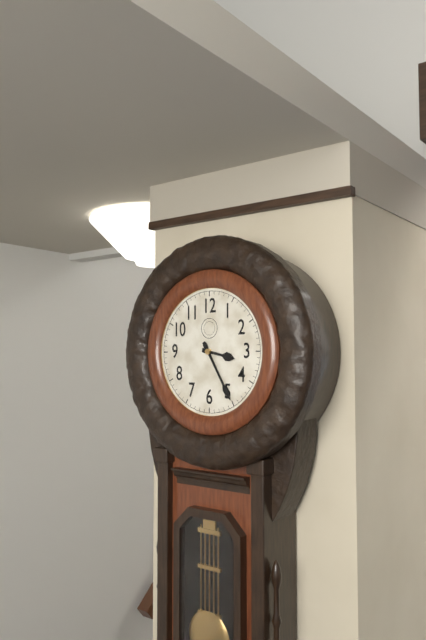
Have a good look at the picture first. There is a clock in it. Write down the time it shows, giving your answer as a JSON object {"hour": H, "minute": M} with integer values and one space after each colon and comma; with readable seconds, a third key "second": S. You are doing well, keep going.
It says {"hour": 3, "minute": 25}
